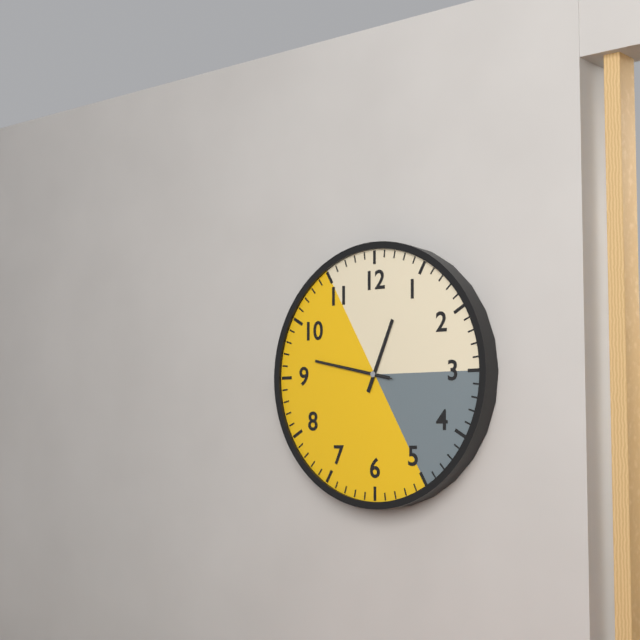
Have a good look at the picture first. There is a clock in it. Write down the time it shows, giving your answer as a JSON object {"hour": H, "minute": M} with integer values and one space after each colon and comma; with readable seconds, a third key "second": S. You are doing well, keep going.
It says {"hour": 12, "minute": 47, "second": 47}
